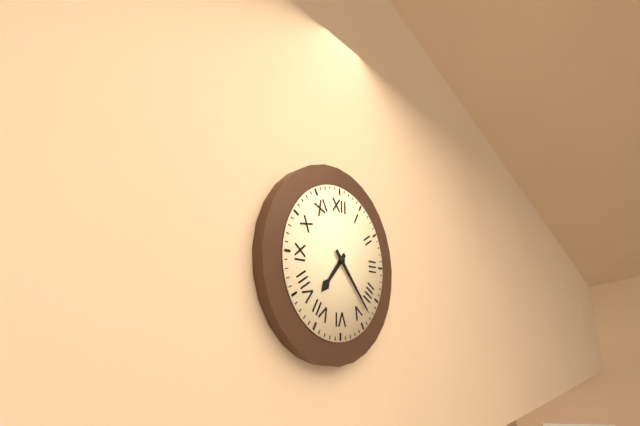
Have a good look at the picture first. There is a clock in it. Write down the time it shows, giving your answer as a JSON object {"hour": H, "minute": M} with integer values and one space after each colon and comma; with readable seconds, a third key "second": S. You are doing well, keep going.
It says {"hour": 7, "minute": 23}
